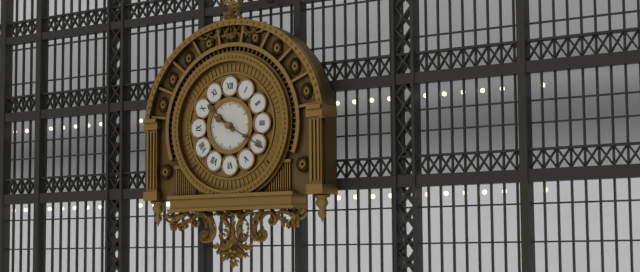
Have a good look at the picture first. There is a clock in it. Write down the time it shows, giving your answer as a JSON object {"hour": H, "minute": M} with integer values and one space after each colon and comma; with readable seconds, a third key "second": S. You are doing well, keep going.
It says {"hour": 10, "minute": 20}
